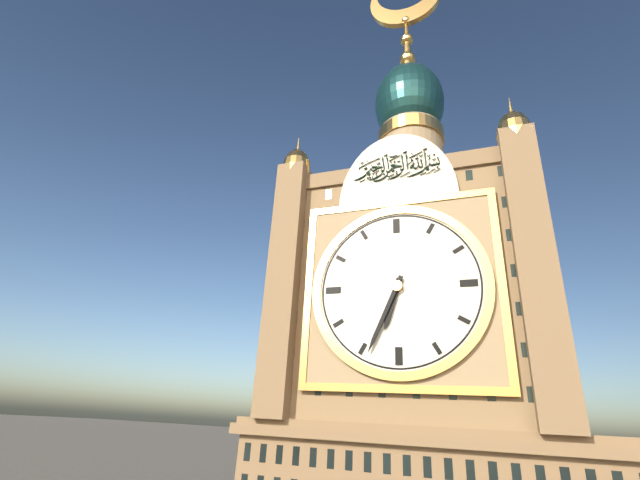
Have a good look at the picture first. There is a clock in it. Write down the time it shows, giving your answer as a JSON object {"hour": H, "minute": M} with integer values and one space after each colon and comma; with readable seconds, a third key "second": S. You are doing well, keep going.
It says {"hour": 6, "minute": 34}
